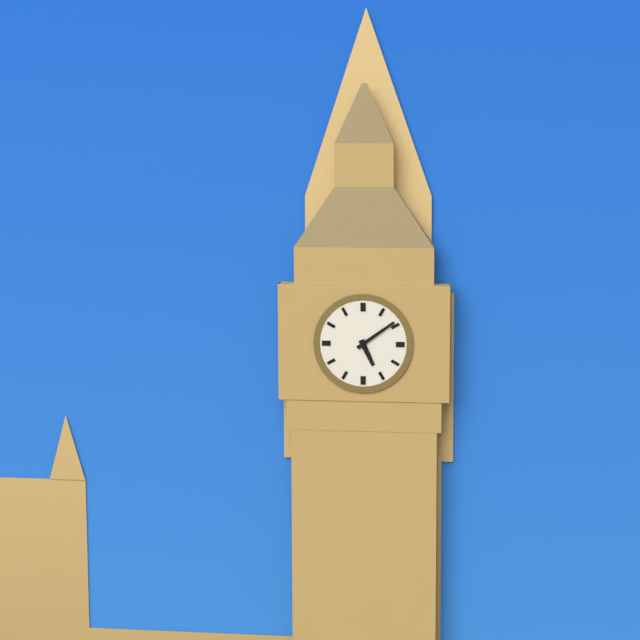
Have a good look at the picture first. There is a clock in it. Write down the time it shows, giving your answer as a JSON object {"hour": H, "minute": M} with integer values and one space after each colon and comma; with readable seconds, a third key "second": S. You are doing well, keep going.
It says {"hour": 5, "minute": 9}
